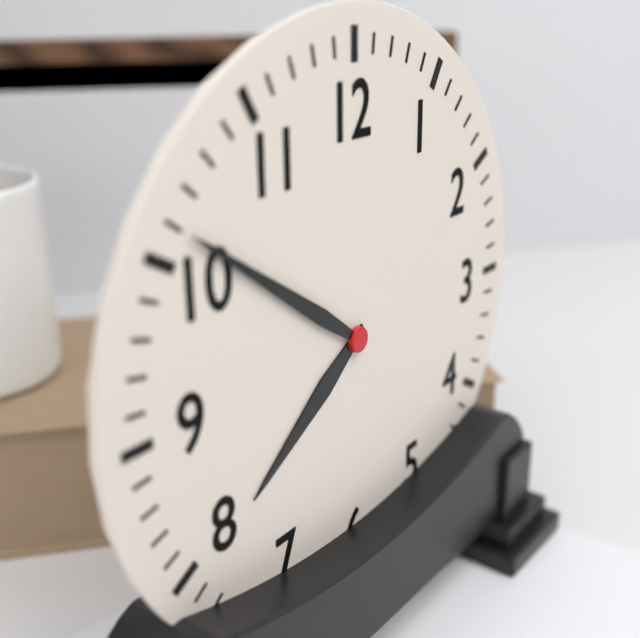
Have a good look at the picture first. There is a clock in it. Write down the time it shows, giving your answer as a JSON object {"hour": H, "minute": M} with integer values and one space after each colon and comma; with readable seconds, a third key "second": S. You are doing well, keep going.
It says {"hour": 7, "minute": 51}
